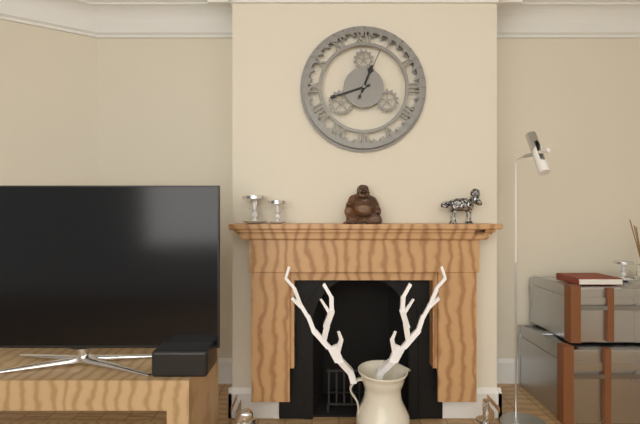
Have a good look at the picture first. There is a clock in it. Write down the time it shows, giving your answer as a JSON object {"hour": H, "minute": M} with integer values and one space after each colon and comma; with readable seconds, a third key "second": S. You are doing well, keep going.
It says {"hour": 12, "minute": 42, "second": 4}
